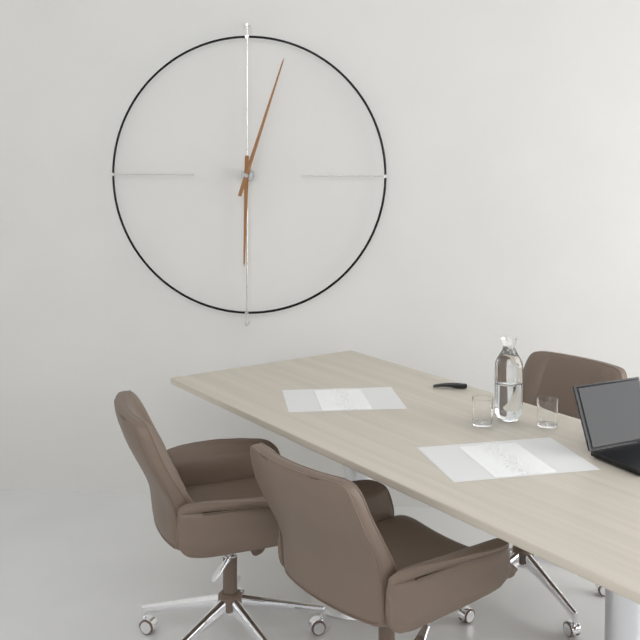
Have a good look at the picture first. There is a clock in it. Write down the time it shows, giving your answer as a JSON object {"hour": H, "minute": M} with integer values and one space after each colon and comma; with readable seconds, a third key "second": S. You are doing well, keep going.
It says {"hour": 6, "minute": 3}
